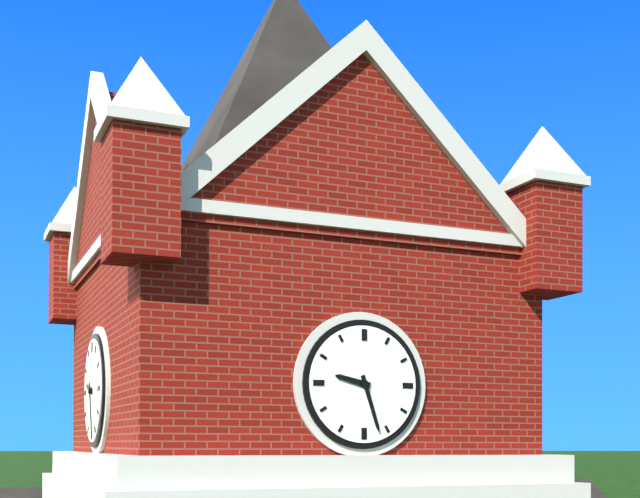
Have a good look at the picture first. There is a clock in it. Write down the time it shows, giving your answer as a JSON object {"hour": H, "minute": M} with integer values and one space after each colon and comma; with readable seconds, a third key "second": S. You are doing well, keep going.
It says {"hour": 9, "minute": 27}
